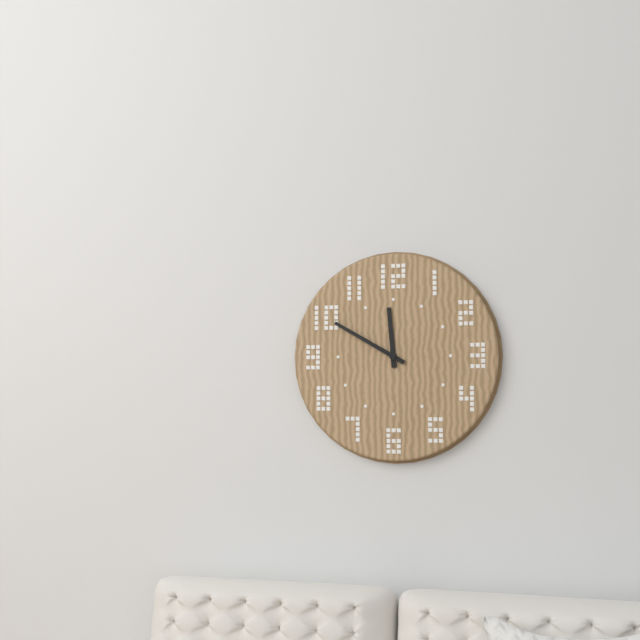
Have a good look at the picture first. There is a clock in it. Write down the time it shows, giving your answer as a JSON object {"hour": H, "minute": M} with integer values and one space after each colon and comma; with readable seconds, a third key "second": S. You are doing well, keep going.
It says {"hour": 11, "minute": 50}
